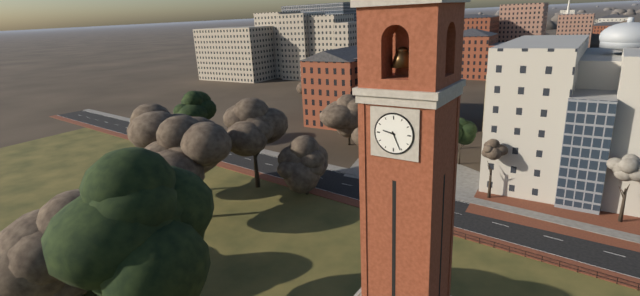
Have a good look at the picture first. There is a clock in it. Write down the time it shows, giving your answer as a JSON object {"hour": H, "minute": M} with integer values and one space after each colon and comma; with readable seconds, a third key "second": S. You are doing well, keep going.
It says {"hour": 9, "minute": 26}
